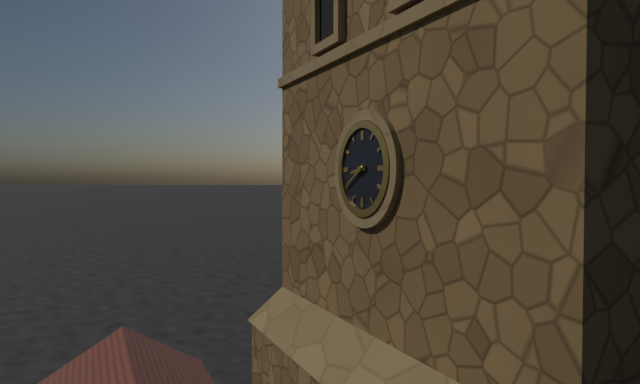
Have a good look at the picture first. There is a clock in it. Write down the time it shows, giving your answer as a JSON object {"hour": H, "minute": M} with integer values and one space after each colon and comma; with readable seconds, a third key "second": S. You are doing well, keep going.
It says {"hour": 8, "minute": 40}
